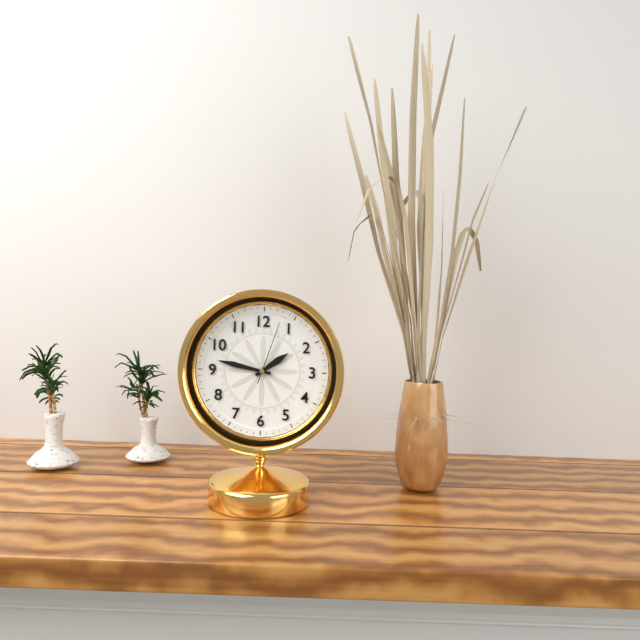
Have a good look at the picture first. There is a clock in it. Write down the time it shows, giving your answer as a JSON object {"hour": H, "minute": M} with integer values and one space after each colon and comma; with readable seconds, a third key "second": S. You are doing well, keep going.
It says {"hour": 1, "minute": 47, "second": 3}
